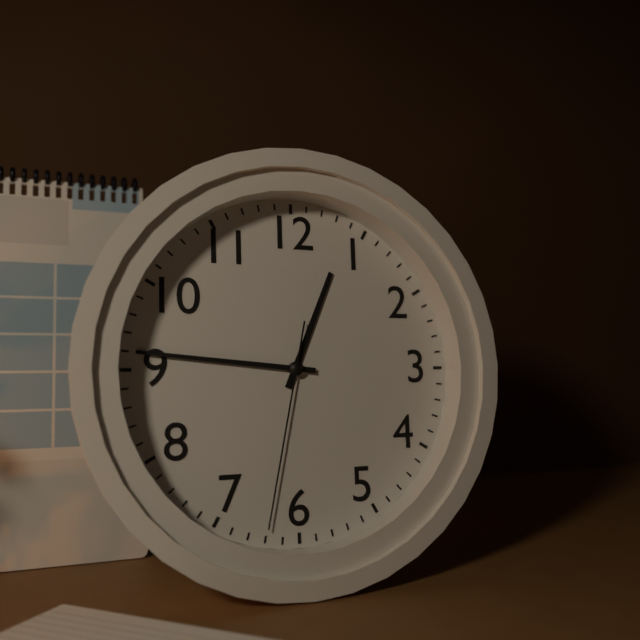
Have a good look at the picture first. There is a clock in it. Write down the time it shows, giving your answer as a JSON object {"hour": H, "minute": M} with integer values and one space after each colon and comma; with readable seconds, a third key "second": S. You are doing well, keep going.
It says {"hour": 12, "minute": 46, "second": 32}
